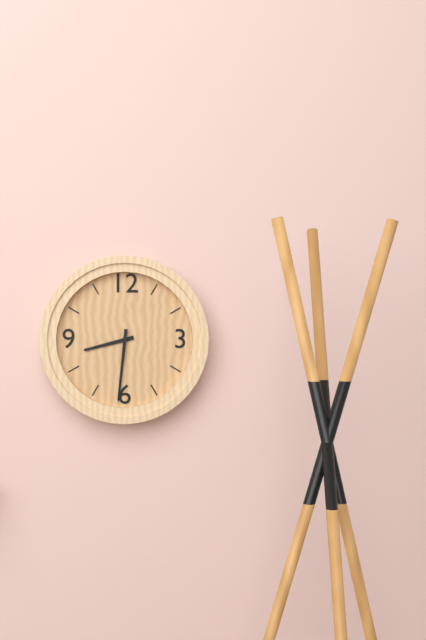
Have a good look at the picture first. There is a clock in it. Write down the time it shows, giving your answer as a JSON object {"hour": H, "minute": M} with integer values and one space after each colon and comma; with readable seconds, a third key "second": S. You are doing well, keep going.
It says {"hour": 8, "minute": 31}
